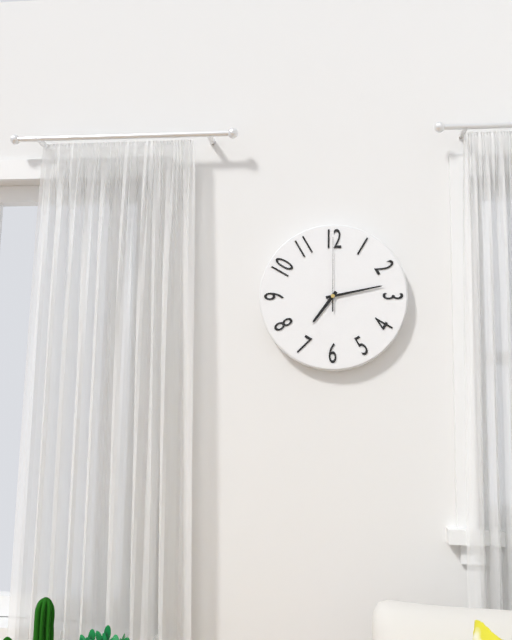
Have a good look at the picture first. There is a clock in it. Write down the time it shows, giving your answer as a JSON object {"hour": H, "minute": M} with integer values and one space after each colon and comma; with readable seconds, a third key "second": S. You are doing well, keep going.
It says {"hour": 7, "minute": 13, "second": 0}
